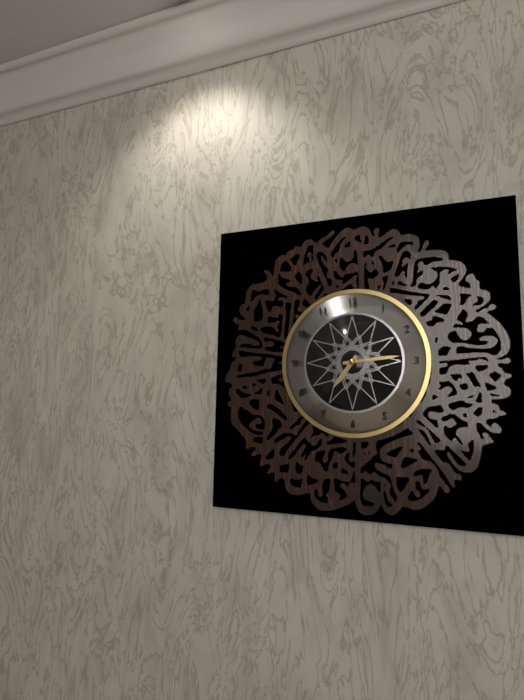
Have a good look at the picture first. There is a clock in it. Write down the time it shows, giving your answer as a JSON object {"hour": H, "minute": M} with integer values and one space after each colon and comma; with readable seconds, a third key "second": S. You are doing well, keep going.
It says {"hour": 7, "minute": 14}
